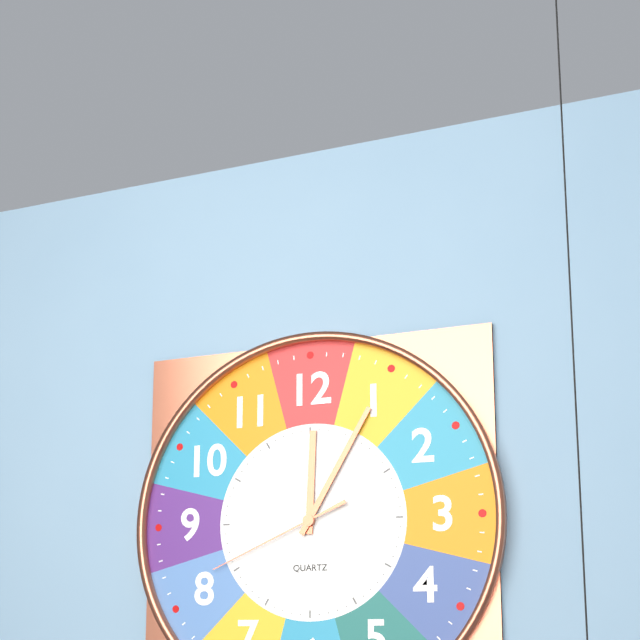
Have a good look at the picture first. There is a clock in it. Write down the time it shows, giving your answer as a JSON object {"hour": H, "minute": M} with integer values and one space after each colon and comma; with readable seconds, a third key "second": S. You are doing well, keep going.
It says {"hour": 12, "minute": 5, "second": 41}
